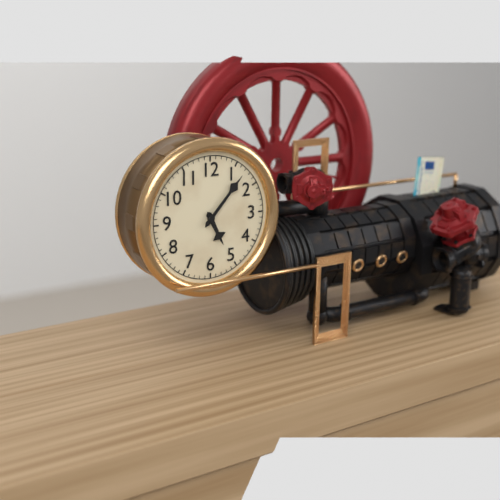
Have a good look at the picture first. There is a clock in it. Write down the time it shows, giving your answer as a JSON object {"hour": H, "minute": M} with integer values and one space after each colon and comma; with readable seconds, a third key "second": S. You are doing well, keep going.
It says {"hour": 5, "minute": 7}
